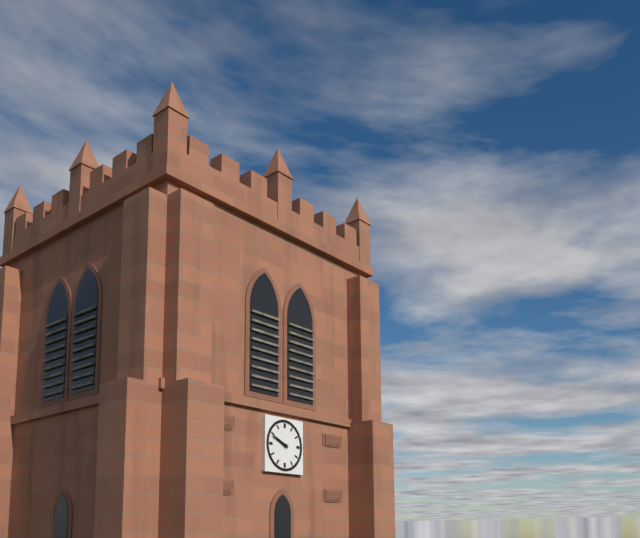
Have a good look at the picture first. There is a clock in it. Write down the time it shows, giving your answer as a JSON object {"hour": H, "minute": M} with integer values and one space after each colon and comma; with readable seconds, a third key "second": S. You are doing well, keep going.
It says {"hour": 9, "minute": 49}
